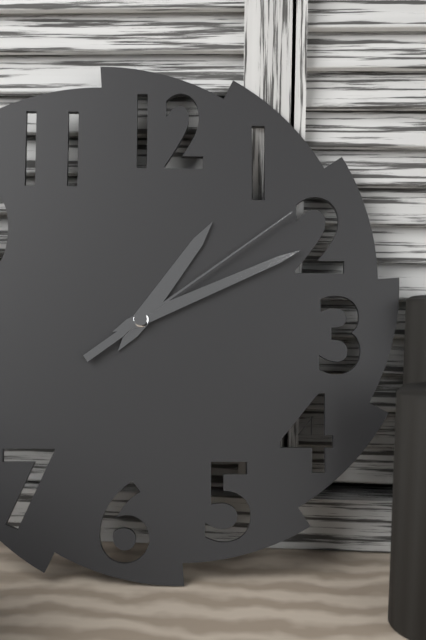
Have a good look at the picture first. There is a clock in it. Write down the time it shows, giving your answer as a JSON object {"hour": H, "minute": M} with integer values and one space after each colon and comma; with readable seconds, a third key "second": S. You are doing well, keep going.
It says {"hour": 1, "minute": 11, "second": 9}
